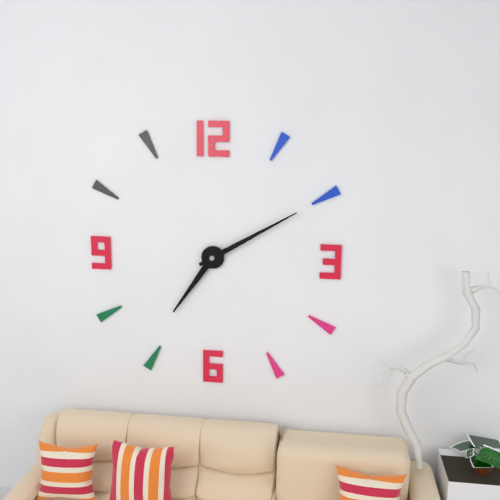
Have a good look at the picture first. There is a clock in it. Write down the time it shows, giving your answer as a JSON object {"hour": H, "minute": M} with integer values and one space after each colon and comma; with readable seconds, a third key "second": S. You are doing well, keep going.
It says {"hour": 7, "minute": 10}
